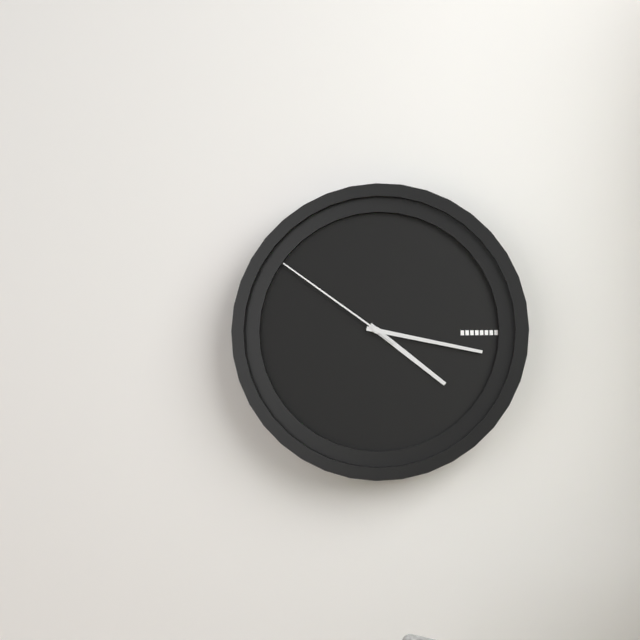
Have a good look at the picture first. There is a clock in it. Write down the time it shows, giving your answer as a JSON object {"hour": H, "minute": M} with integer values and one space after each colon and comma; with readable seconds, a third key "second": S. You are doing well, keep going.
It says {"hour": 4, "minute": 17, "second": 51}
